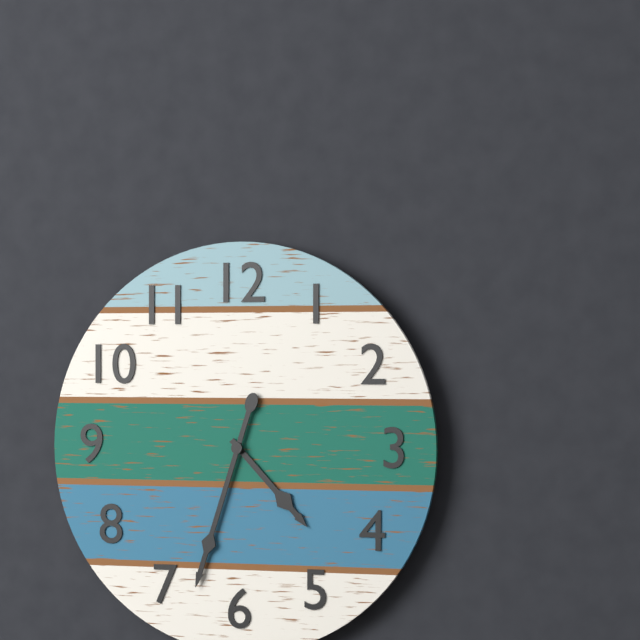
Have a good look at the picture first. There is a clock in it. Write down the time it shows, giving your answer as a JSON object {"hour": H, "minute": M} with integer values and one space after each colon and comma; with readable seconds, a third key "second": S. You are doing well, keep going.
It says {"hour": 4, "minute": 33}
